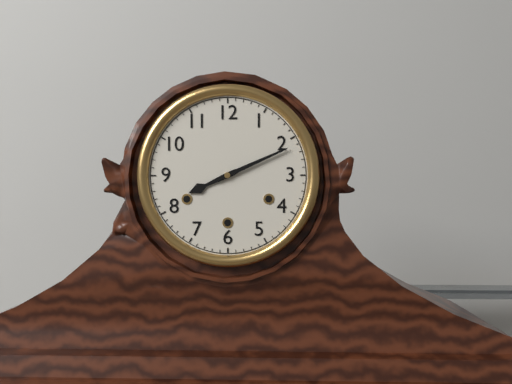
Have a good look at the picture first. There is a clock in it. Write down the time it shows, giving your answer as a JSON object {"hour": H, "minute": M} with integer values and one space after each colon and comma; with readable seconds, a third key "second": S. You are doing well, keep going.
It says {"hour": 8, "minute": 11}
